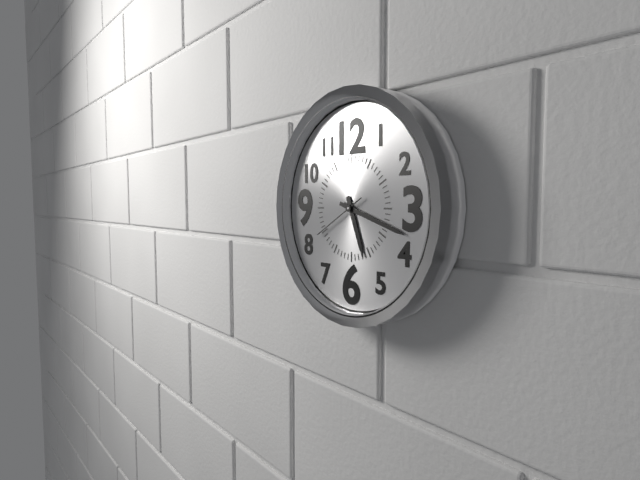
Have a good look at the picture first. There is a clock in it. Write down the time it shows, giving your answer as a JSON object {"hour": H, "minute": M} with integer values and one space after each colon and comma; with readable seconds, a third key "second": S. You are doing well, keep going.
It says {"hour": 5, "minute": 18, "second": 40}
